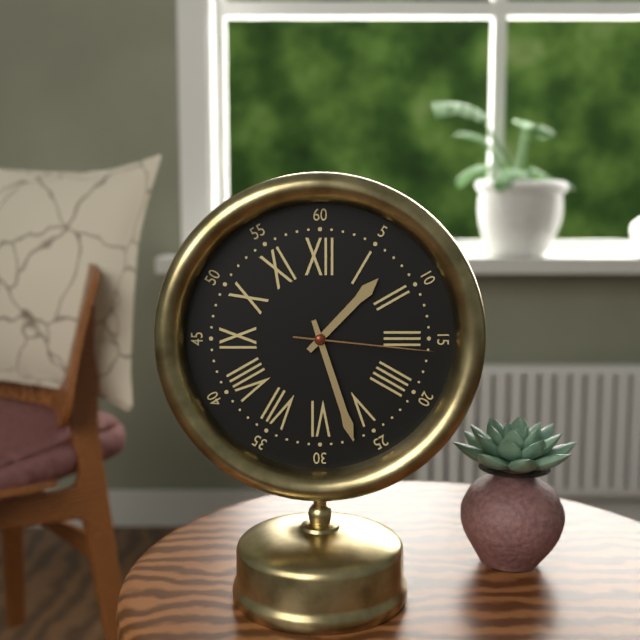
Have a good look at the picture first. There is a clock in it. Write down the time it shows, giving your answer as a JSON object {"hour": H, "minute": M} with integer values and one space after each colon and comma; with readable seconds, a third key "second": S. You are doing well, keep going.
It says {"hour": 1, "minute": 27, "second": 16}
